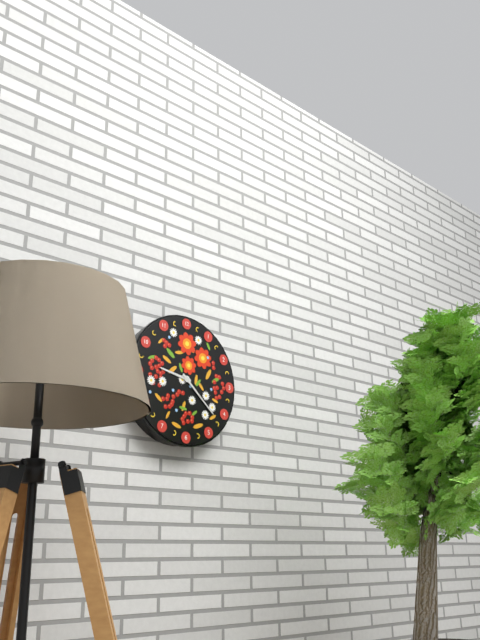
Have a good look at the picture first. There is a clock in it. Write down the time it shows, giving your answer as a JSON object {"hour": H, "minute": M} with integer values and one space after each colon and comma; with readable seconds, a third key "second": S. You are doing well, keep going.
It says {"hour": 9, "minute": 22}
